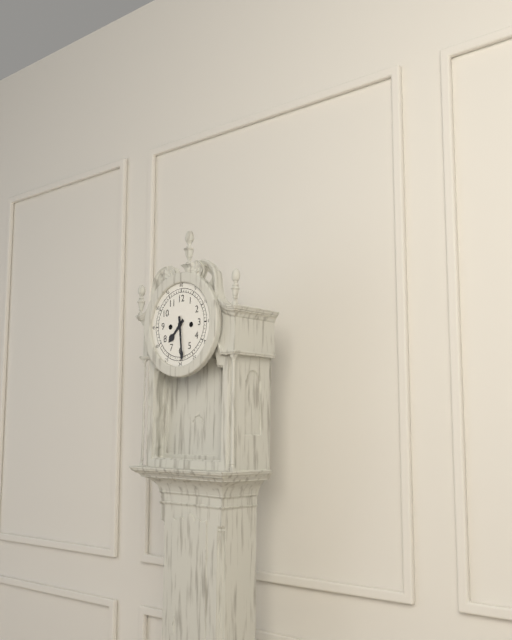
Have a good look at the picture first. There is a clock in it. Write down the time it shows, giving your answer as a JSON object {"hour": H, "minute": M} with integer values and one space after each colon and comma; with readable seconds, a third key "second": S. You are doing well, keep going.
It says {"hour": 7, "minute": 29}
